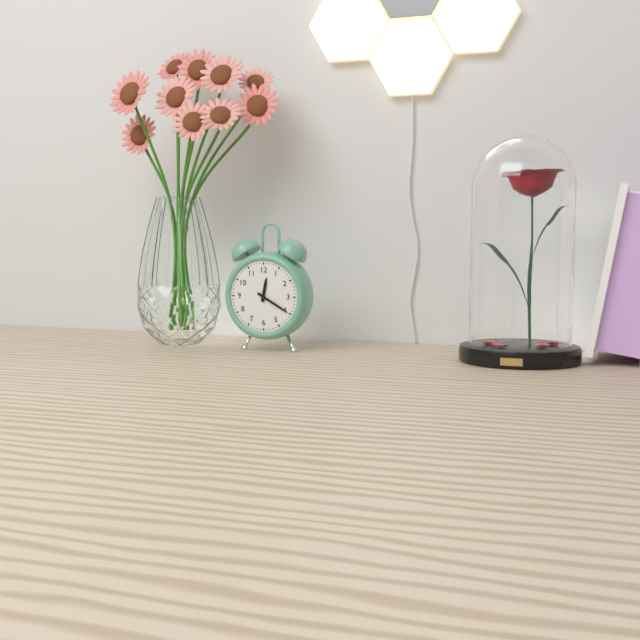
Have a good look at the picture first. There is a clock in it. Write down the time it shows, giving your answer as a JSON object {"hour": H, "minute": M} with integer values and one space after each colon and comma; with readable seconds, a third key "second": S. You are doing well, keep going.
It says {"hour": 12, "minute": 20}
